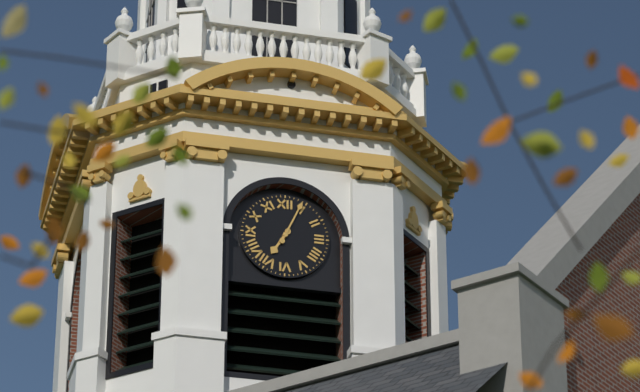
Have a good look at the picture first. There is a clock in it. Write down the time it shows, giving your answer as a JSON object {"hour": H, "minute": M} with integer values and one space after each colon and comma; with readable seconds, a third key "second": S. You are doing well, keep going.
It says {"hour": 7, "minute": 4}
